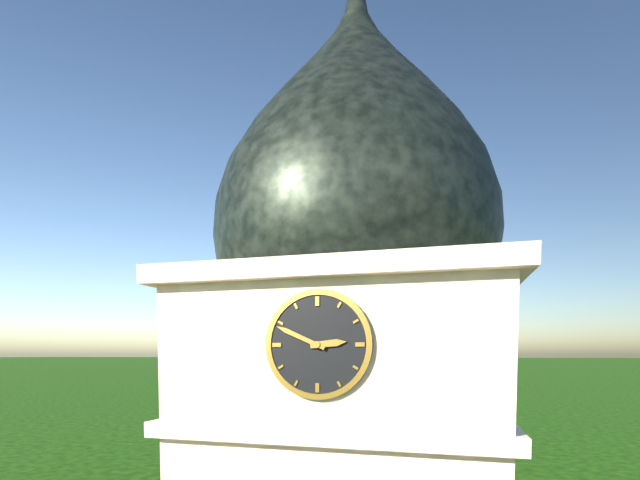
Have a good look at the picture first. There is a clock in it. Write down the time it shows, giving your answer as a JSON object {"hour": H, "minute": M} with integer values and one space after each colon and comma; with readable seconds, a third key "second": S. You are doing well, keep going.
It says {"hour": 2, "minute": 49}
